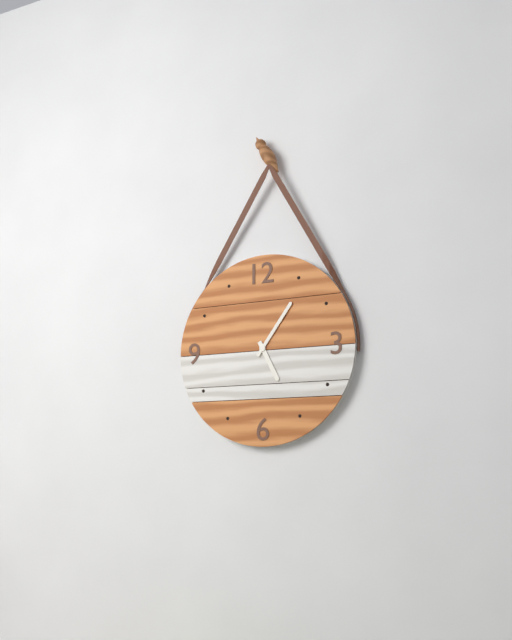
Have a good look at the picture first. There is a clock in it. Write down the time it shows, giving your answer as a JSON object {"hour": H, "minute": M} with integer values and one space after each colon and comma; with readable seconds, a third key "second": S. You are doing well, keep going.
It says {"hour": 5, "minute": 6}
